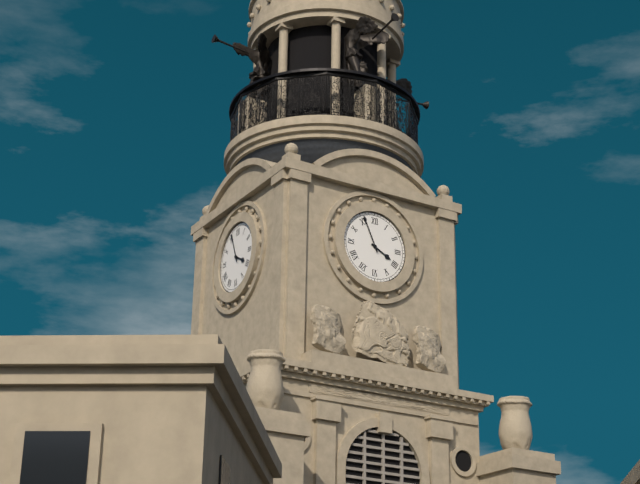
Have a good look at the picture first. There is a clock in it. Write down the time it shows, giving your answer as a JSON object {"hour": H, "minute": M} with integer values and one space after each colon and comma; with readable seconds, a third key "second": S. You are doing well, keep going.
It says {"hour": 3, "minute": 56}
